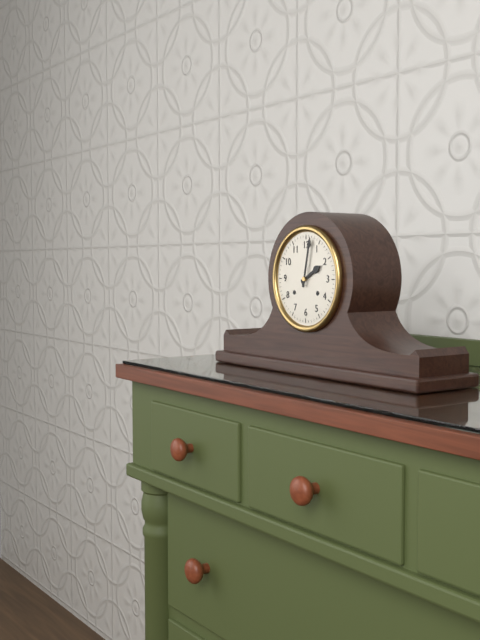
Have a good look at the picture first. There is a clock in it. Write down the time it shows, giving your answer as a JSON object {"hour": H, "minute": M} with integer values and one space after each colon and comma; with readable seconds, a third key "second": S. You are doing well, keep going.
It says {"hour": 2, "minute": 2}
